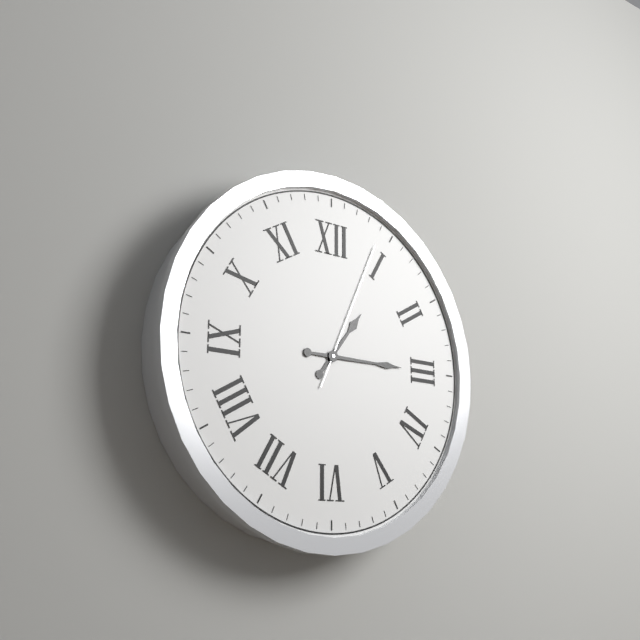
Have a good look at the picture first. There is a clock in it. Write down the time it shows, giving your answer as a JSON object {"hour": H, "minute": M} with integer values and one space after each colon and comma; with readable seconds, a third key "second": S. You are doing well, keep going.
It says {"hour": 1, "minute": 15, "second": 4}
